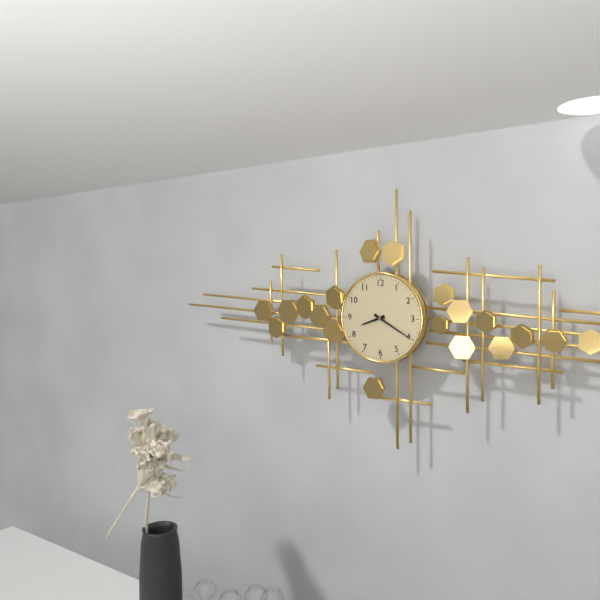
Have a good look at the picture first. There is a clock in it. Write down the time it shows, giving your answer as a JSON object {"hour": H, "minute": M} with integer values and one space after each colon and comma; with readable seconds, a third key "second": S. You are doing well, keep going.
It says {"hour": 8, "minute": 20}
